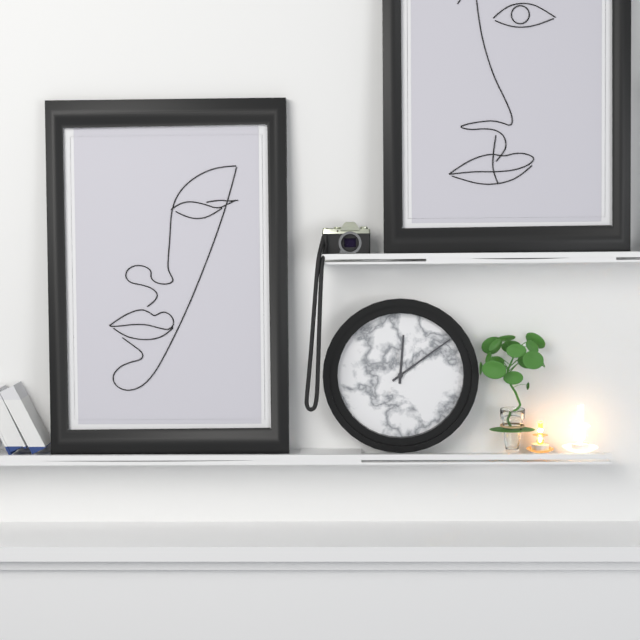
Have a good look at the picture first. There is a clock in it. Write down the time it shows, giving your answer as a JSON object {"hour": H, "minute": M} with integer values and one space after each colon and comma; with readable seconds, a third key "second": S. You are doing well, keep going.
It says {"hour": 12, "minute": 9}
